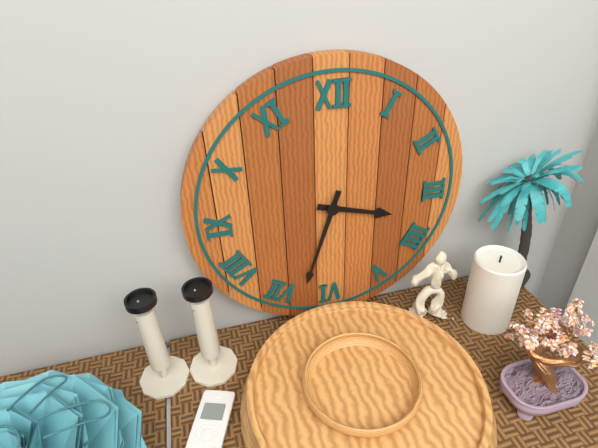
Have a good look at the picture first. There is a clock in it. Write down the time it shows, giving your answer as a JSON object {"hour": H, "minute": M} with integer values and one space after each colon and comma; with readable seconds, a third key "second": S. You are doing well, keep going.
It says {"hour": 3, "minute": 33}
